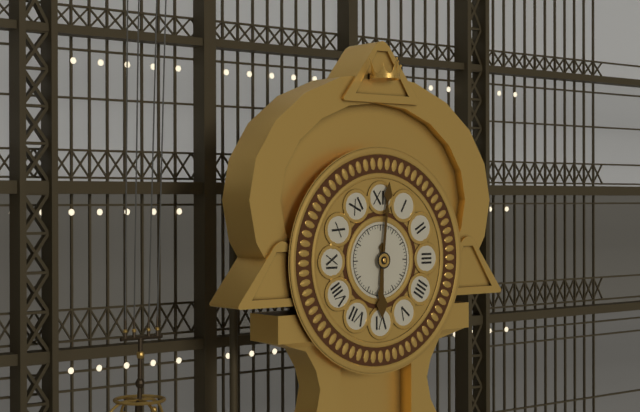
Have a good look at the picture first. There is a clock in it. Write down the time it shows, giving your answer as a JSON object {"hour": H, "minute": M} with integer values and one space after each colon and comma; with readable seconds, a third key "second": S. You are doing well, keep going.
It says {"hour": 6, "minute": 1}
